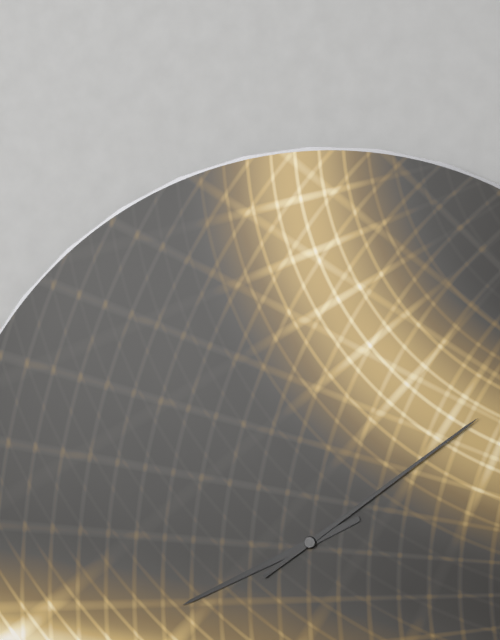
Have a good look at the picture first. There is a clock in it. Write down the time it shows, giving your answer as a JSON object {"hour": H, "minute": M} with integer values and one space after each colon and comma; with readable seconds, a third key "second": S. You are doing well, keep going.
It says {"hour": 8, "minute": 9}
